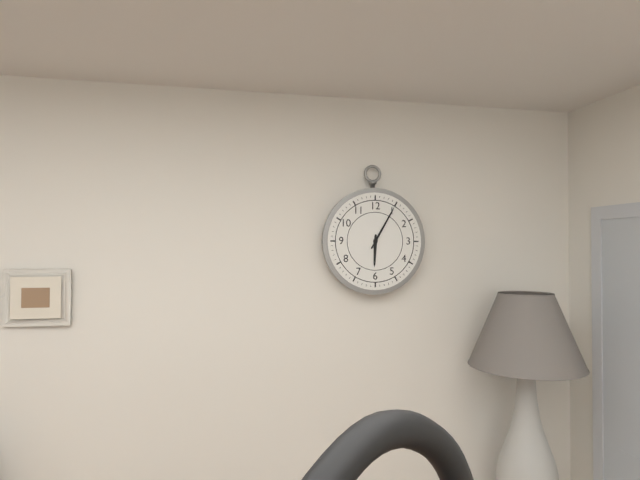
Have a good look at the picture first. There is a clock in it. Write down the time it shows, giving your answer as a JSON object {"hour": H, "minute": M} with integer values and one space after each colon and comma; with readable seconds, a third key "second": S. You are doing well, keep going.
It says {"hour": 6, "minute": 5}
